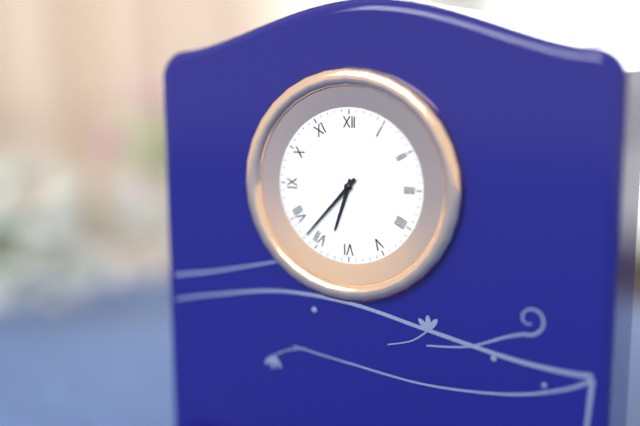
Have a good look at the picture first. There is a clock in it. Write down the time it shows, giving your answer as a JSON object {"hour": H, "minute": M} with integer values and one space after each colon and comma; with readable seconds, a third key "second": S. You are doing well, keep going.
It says {"hour": 6, "minute": 37}
